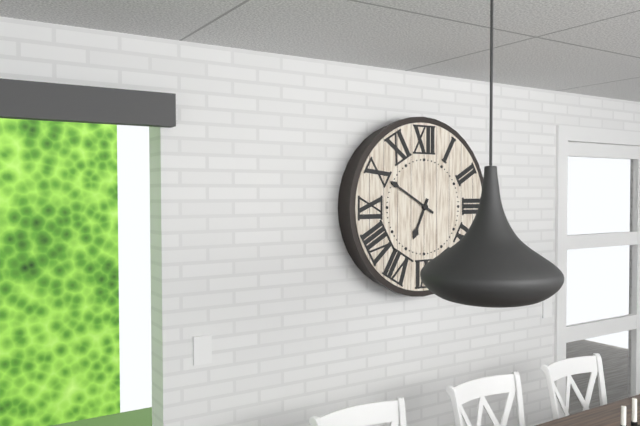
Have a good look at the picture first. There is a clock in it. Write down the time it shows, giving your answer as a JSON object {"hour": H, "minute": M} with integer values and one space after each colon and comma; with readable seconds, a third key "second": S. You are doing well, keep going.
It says {"hour": 6, "minute": 50}
